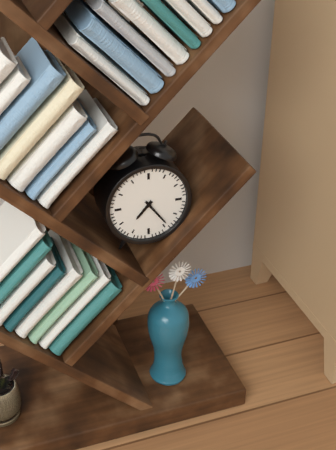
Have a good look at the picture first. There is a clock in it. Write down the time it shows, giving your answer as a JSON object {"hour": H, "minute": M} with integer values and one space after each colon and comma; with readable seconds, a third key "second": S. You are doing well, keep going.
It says {"hour": 7, "minute": 24}
